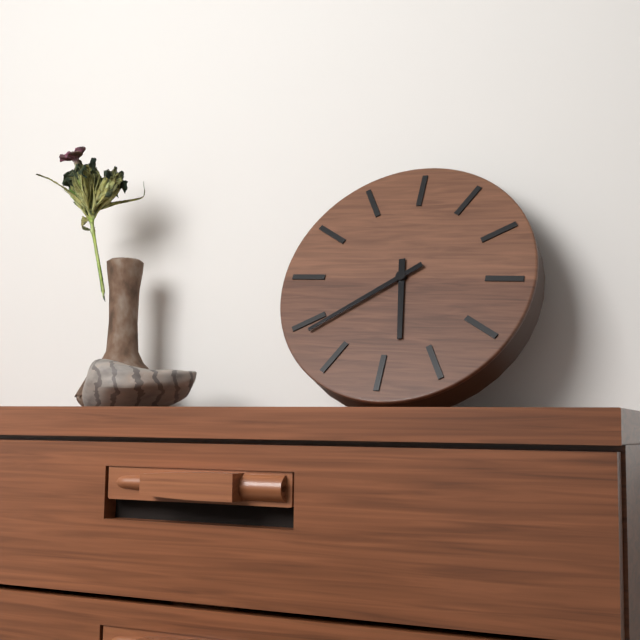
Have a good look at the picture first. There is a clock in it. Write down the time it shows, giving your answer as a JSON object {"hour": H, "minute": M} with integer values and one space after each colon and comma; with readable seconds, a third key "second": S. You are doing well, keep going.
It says {"hour": 5, "minute": 39}
